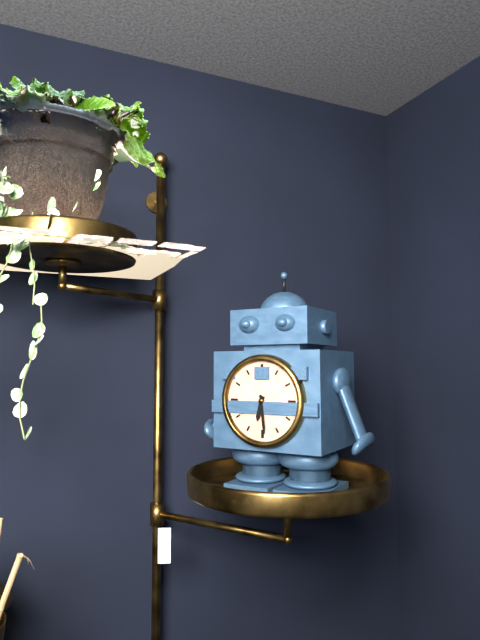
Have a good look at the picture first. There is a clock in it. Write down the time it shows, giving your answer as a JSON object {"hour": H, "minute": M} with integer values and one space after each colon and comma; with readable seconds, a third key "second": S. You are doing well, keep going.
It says {"hour": 6, "minute": 29}
